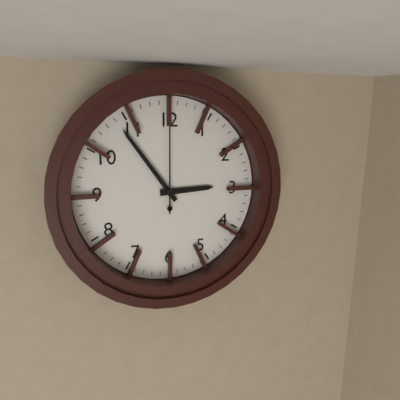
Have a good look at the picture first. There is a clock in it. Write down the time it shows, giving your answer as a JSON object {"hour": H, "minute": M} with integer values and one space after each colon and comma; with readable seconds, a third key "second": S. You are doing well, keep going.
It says {"hour": 2, "minute": 54, "second": 0}
